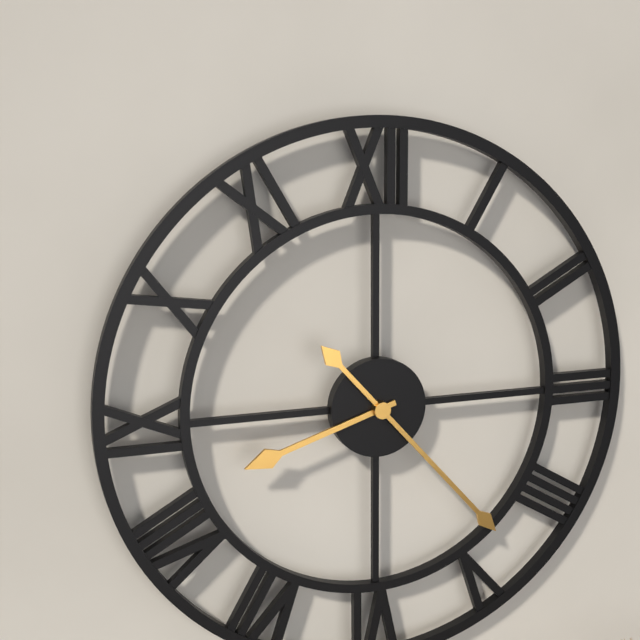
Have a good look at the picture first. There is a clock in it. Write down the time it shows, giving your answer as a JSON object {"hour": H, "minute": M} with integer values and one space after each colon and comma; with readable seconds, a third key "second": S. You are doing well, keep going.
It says {"hour": 8, "minute": 23}
